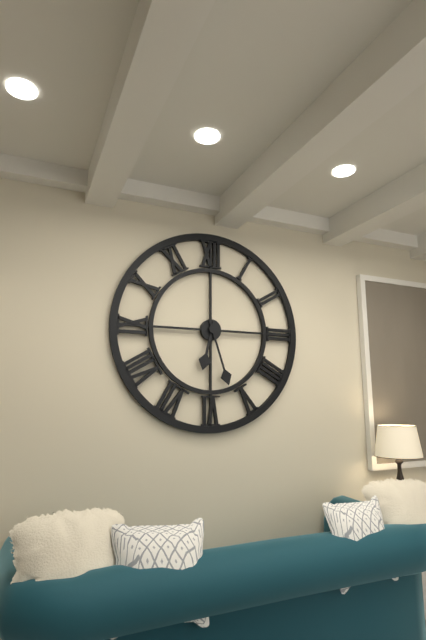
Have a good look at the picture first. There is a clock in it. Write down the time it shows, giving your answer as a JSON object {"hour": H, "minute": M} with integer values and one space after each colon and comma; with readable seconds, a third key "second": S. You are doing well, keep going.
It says {"hour": 6, "minute": 27}
